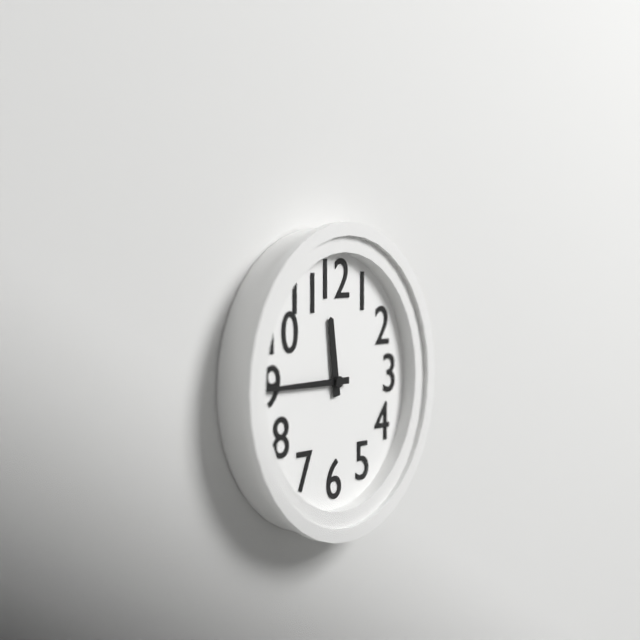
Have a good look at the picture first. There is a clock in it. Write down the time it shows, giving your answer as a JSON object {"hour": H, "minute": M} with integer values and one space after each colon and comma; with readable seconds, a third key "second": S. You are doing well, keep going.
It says {"hour": 11, "minute": 45}
